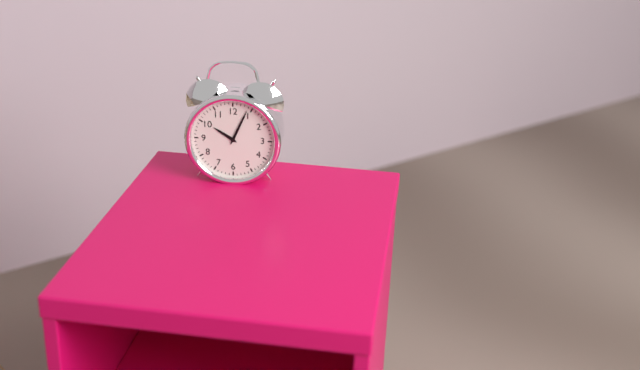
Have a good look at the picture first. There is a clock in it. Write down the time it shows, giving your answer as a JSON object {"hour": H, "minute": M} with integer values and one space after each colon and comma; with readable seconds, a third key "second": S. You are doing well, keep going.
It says {"hour": 10, "minute": 4}
